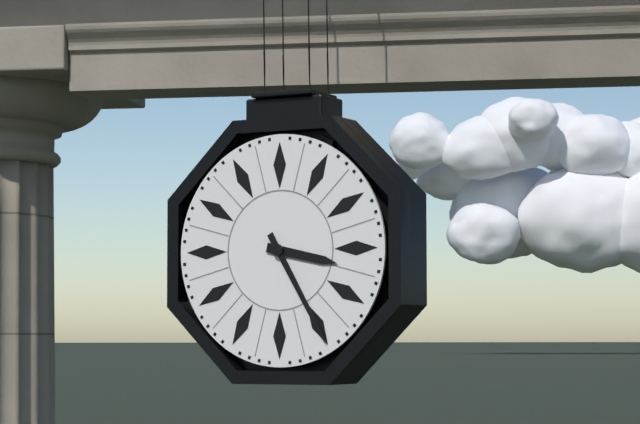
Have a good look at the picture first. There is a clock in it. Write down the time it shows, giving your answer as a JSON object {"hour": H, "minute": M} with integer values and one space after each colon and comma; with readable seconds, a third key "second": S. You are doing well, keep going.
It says {"hour": 3, "minute": 25}
